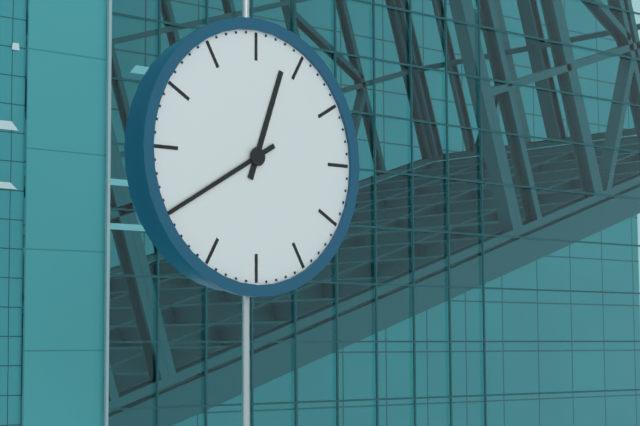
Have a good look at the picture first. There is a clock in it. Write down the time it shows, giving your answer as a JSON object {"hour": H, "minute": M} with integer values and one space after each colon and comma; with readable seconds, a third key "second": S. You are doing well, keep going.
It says {"hour": 12, "minute": 40}
